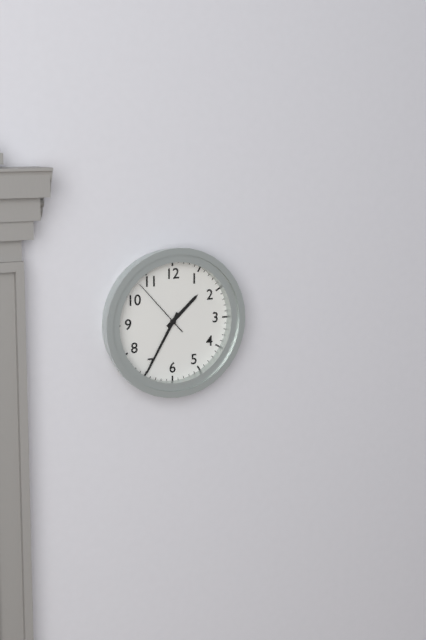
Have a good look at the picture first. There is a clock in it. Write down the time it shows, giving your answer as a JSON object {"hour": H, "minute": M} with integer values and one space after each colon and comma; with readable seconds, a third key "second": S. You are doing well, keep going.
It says {"hour": 1, "minute": 35, "second": 53}
